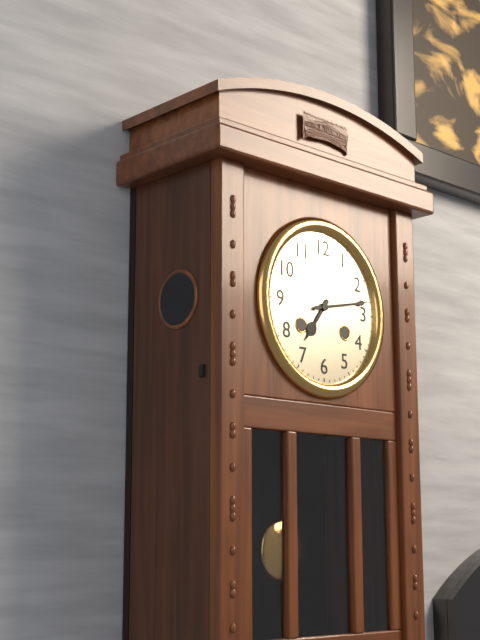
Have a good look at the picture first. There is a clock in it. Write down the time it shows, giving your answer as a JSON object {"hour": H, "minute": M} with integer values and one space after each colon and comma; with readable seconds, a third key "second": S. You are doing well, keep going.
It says {"hour": 7, "minute": 13}
